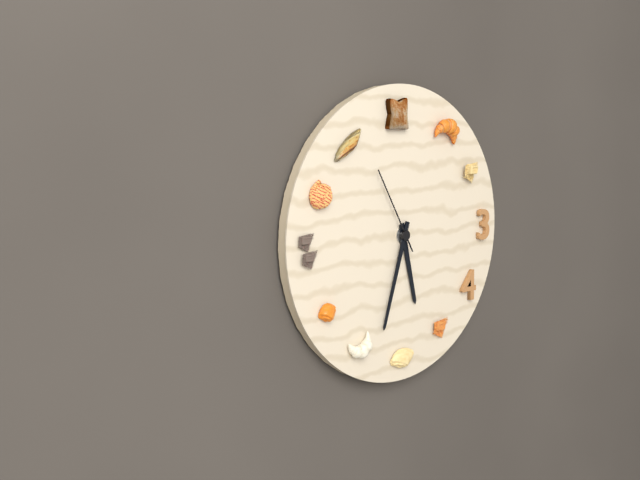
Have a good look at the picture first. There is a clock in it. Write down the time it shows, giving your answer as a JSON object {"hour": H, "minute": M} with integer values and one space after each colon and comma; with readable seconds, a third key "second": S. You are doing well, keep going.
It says {"hour": 5, "minute": 33, "second": 55}
